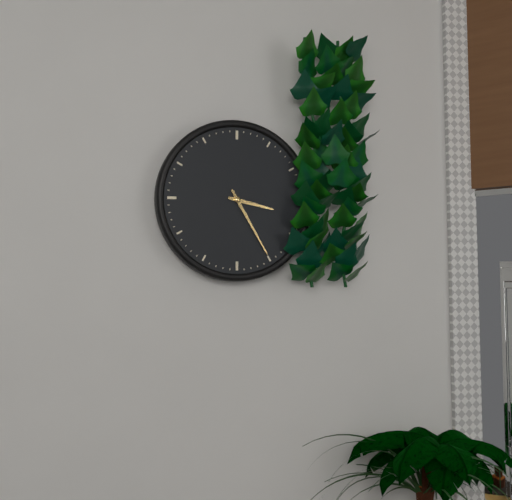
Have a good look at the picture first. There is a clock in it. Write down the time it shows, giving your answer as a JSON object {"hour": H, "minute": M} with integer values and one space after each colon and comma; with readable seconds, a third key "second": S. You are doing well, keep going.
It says {"hour": 3, "minute": 25}
